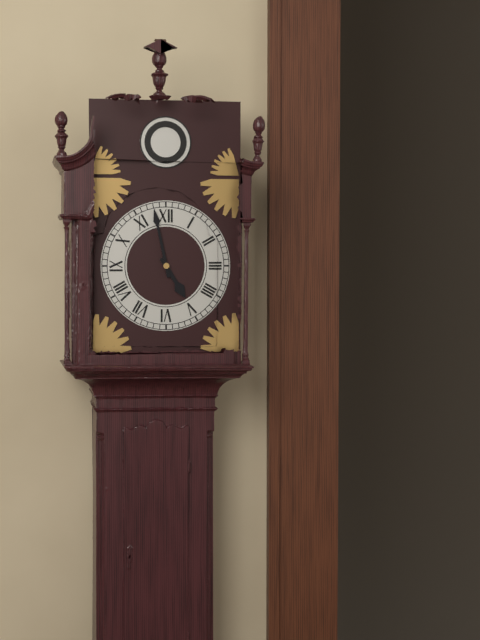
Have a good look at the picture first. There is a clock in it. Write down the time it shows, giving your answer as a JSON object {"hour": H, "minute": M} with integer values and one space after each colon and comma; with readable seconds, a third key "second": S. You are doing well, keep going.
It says {"hour": 4, "minute": 58}
